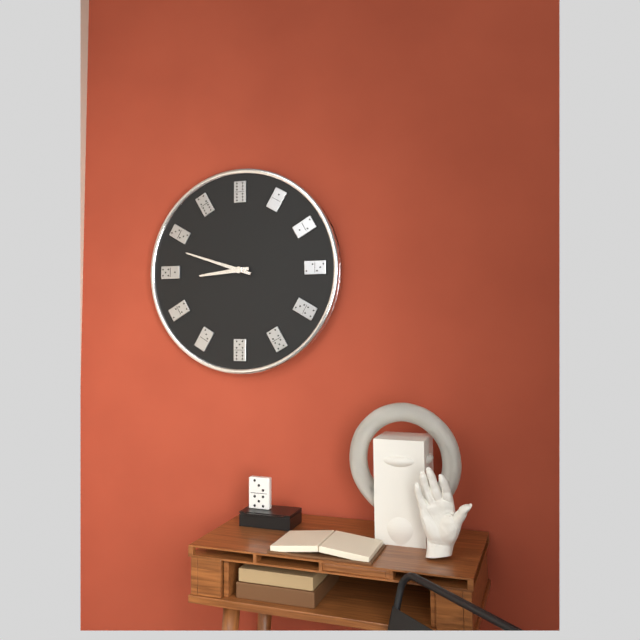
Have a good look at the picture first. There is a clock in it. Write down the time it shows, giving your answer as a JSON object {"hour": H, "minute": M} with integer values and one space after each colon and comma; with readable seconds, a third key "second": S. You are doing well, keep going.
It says {"hour": 8, "minute": 48}
